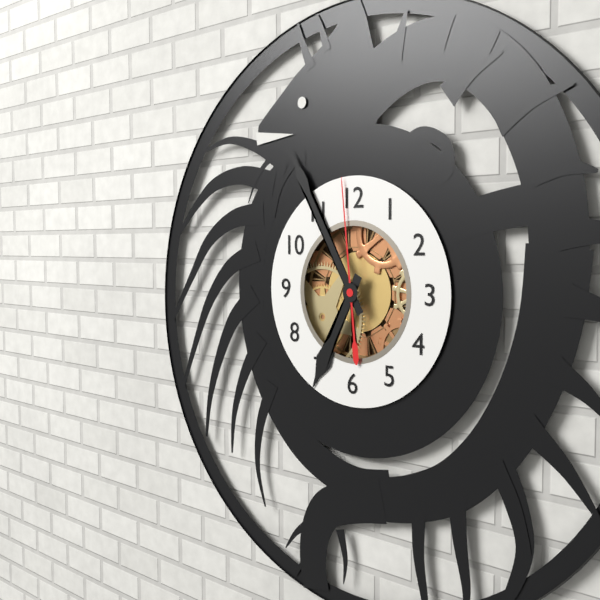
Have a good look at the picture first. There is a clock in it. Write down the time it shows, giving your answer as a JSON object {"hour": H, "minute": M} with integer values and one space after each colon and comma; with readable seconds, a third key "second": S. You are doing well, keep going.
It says {"hour": 6, "minute": 55, "second": 59}
